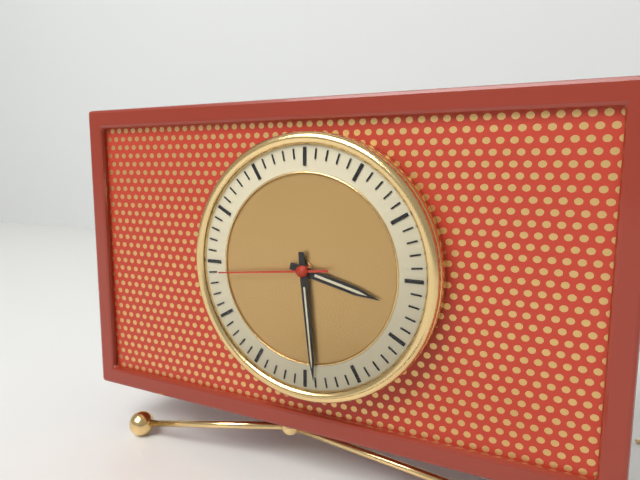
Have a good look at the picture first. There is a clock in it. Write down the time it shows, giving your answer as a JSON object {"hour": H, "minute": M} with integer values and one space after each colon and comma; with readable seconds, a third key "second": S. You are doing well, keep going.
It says {"hour": 3, "minute": 29, "second": 44}
